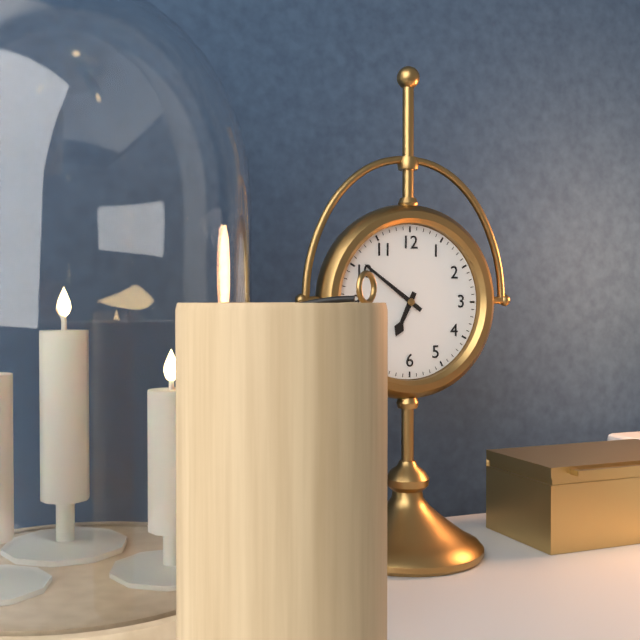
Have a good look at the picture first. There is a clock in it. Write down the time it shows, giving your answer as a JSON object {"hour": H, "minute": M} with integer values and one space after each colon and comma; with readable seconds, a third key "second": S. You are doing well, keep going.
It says {"hour": 6, "minute": 51}
